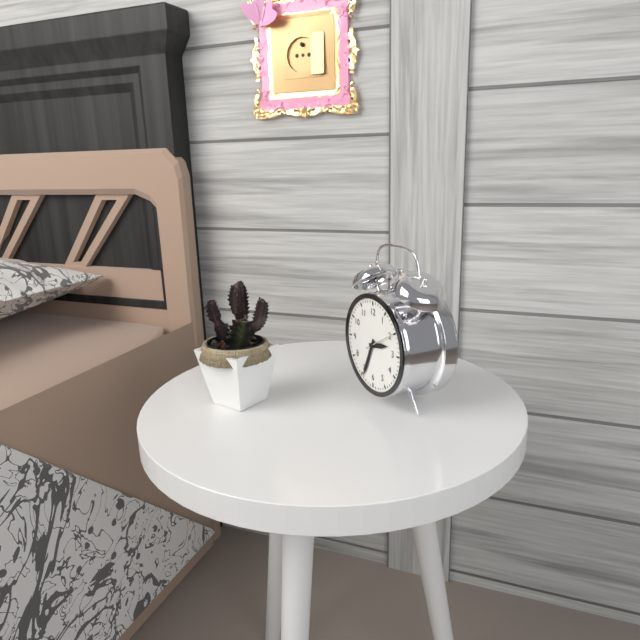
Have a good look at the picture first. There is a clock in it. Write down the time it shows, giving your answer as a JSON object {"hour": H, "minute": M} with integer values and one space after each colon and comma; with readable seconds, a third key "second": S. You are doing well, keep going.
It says {"hour": 2, "minute": 34}
